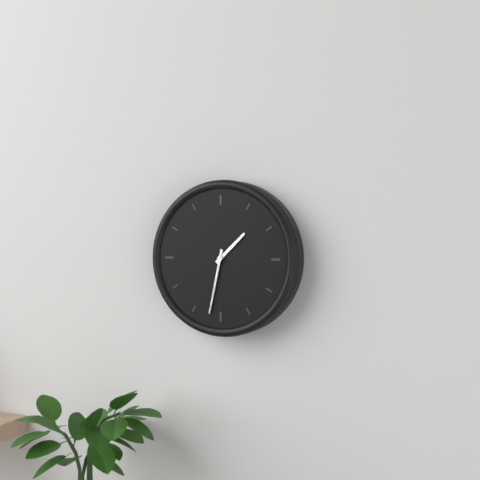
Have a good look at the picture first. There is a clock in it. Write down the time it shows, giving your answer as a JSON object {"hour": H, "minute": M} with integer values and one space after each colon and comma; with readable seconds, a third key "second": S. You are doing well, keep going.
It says {"hour": 1, "minute": 32}
